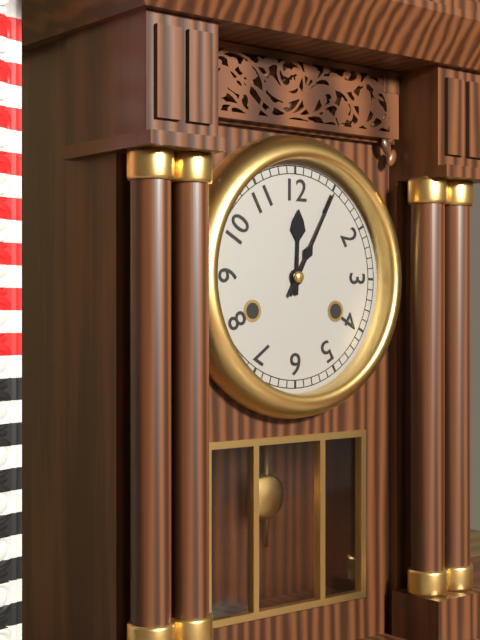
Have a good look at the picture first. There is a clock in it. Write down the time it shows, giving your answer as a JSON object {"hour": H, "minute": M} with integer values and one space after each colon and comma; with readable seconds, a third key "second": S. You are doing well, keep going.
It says {"hour": 12, "minute": 5}
